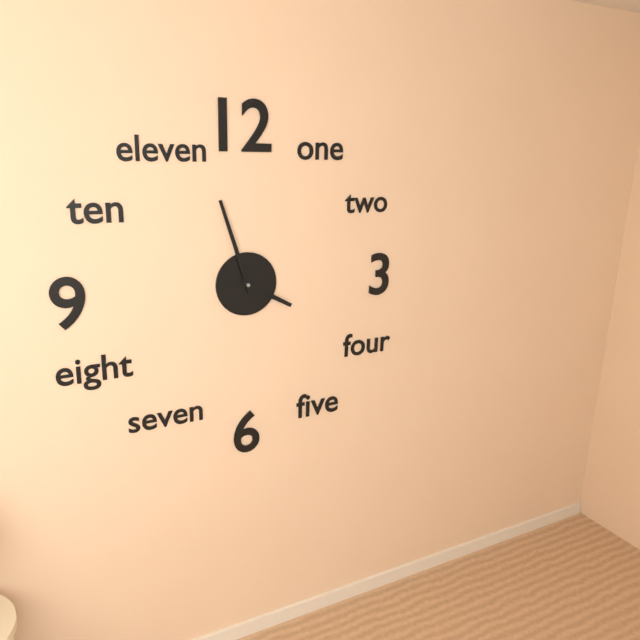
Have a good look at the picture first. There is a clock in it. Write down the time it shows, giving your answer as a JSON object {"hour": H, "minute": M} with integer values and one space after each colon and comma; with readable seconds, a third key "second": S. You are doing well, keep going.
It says {"hour": 3, "minute": 57}
